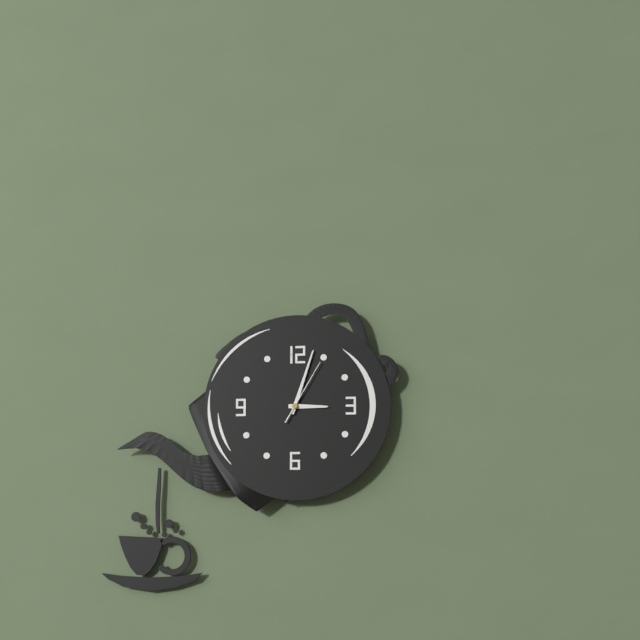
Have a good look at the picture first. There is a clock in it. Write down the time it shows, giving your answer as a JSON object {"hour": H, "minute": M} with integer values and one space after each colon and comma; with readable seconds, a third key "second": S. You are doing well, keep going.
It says {"hour": 3, "minute": 3, "second": 5}
